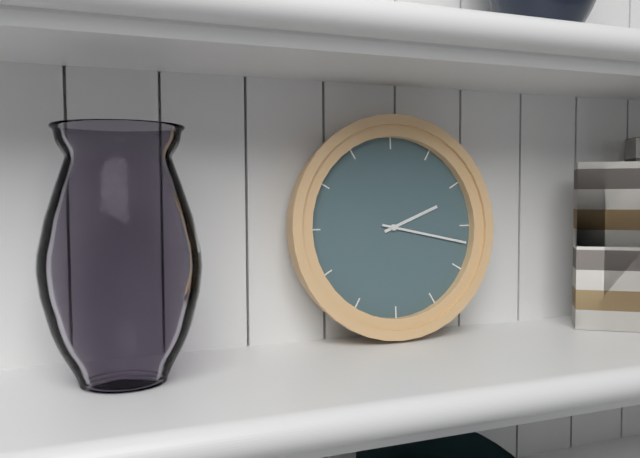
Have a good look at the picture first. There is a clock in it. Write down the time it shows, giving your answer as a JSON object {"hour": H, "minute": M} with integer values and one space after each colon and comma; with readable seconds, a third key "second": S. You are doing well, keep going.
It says {"hour": 2, "minute": 17}
